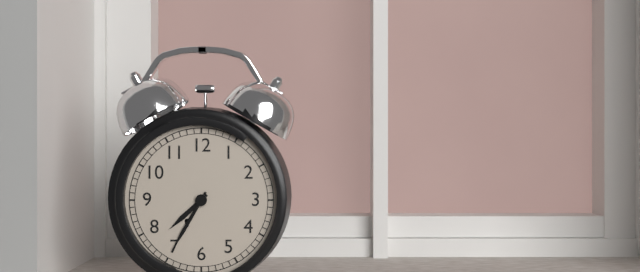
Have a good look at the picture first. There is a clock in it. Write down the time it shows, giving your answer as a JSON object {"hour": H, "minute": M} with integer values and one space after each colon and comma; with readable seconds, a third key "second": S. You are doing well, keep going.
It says {"hour": 7, "minute": 35}
